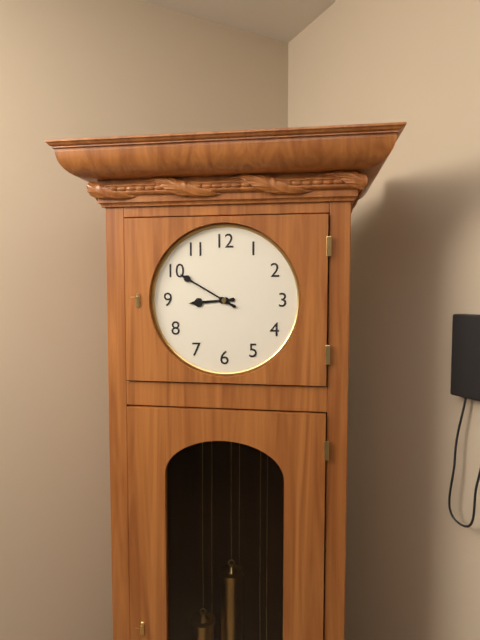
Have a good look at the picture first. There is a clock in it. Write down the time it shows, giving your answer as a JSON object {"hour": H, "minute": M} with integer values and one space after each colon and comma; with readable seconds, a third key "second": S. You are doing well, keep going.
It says {"hour": 8, "minute": 50}
